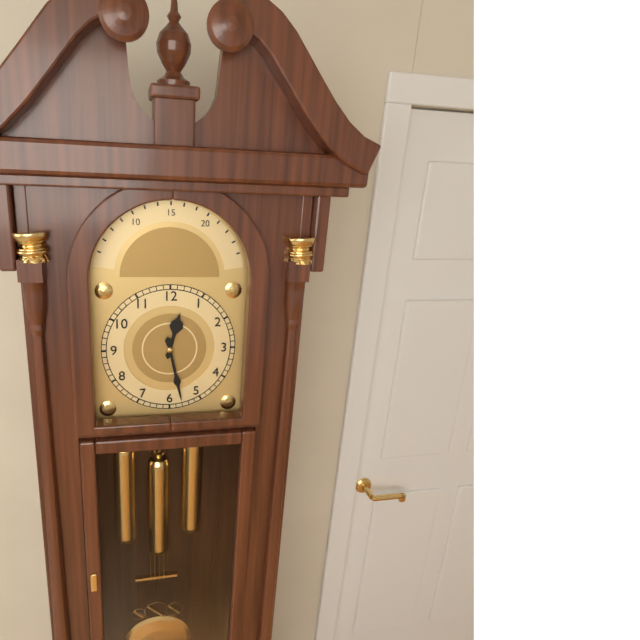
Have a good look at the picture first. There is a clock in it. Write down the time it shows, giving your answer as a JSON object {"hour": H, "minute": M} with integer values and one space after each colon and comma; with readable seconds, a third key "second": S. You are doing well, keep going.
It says {"hour": 12, "minute": 28}
